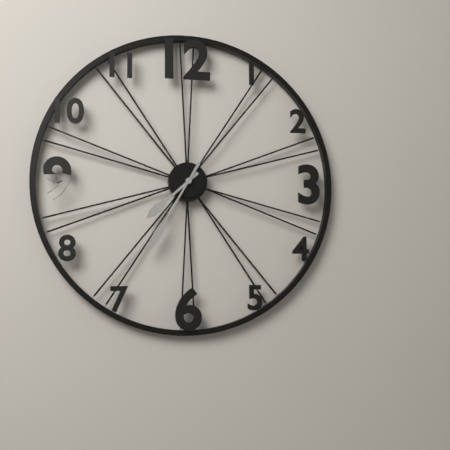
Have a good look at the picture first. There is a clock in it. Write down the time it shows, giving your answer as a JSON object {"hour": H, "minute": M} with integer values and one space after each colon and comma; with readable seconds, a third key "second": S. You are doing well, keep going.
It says {"hour": 7, "minute": 35}
